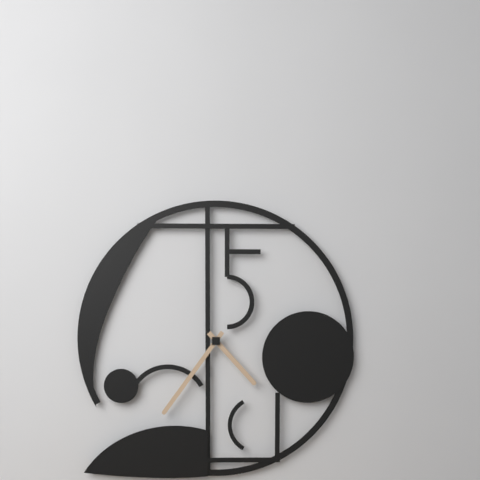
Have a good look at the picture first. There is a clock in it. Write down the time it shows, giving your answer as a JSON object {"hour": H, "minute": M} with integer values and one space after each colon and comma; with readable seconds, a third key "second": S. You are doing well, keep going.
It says {"hour": 4, "minute": 36}
